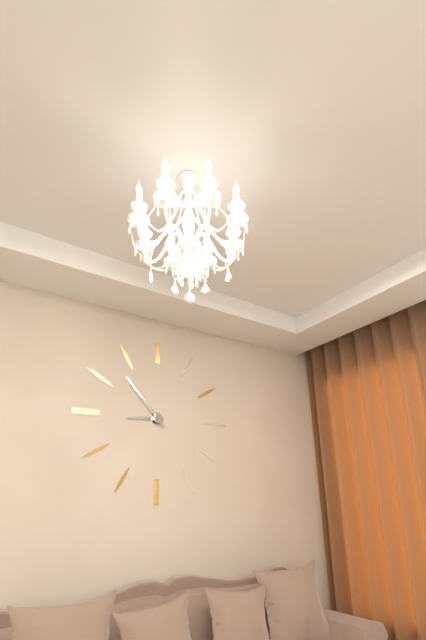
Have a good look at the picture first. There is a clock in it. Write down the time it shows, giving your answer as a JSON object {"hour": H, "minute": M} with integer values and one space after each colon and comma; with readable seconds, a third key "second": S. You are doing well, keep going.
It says {"hour": 8, "minute": 53}
